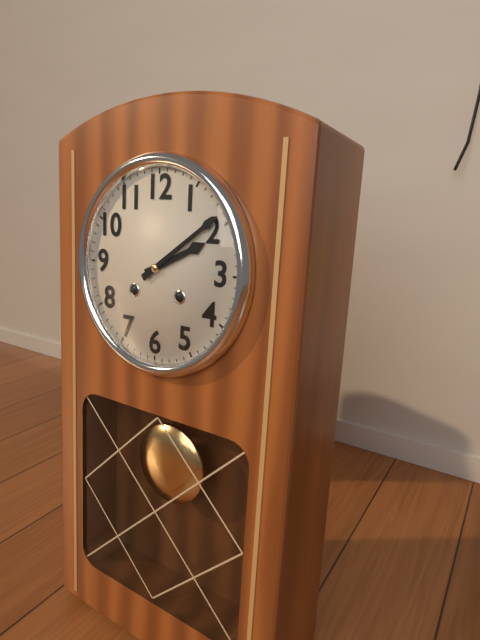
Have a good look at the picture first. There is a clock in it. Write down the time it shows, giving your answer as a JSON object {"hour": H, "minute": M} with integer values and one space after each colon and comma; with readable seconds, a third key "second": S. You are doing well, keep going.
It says {"hour": 2, "minute": 9}
